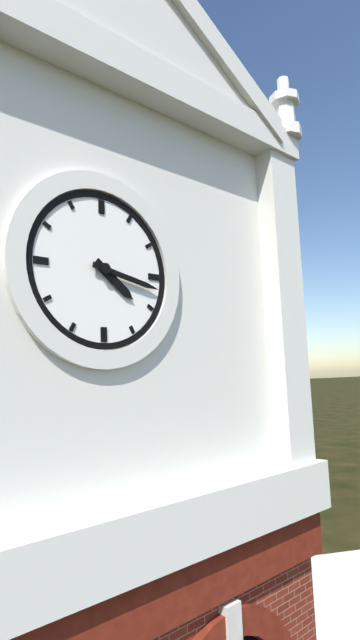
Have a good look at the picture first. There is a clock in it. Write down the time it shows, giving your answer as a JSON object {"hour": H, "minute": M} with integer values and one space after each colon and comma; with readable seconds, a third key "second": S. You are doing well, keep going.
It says {"hour": 4, "minute": 17}
